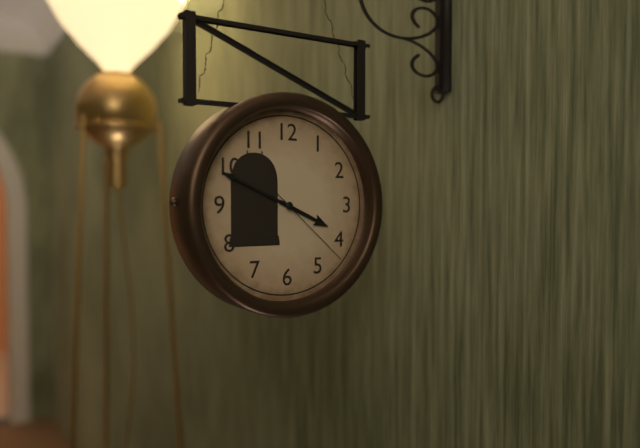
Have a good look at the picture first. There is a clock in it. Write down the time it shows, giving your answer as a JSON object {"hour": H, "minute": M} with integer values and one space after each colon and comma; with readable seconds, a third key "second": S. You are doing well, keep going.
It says {"hour": 3, "minute": 49, "second": 22}
